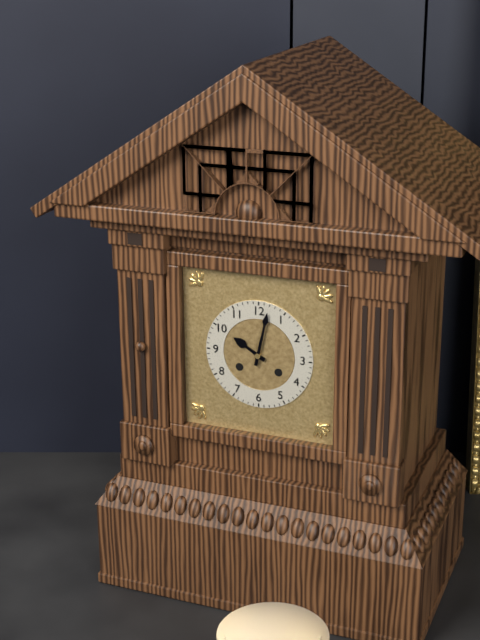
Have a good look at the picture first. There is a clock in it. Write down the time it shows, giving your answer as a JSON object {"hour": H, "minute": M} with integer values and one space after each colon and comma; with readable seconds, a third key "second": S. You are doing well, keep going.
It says {"hour": 10, "minute": 2}
